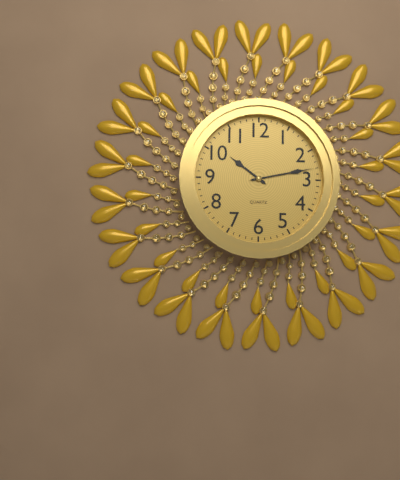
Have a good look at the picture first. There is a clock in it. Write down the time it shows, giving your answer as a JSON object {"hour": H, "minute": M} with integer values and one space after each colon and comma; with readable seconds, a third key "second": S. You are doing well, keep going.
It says {"hour": 10, "minute": 13}
